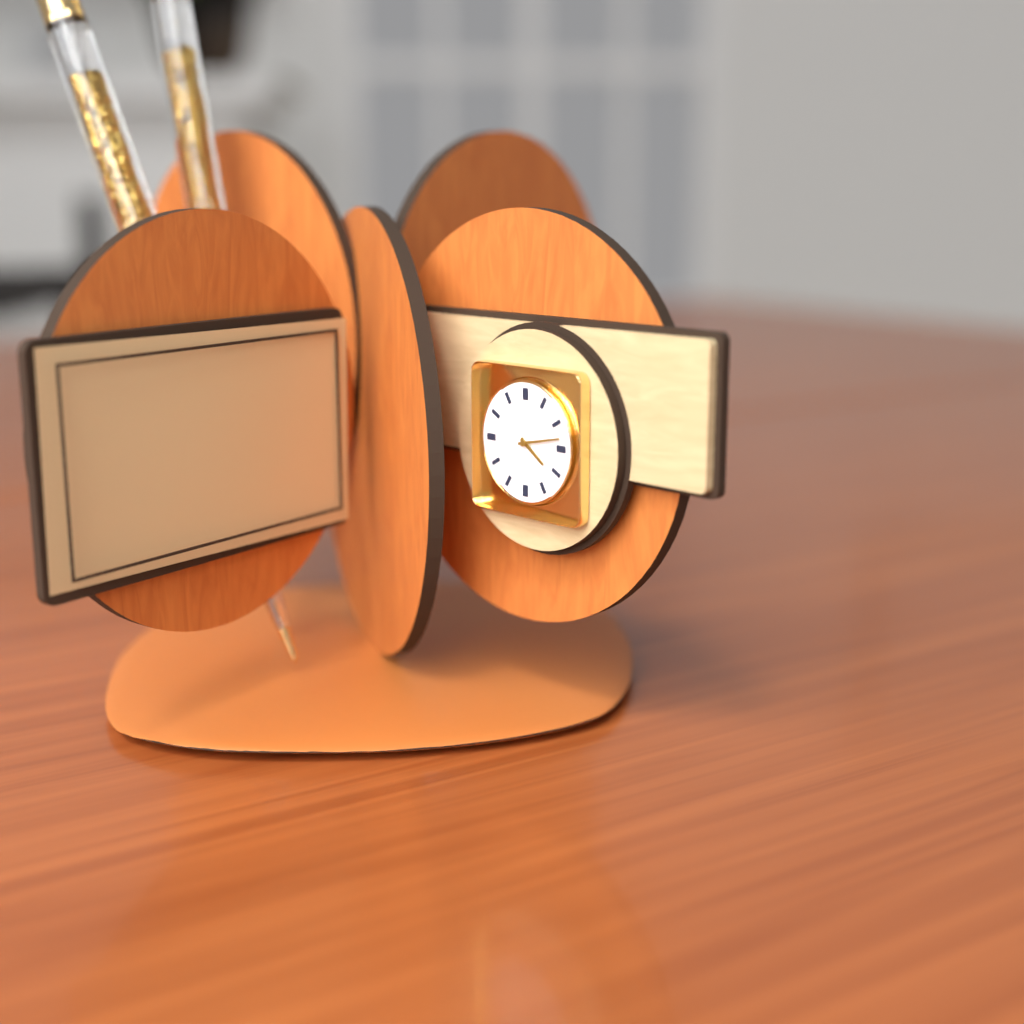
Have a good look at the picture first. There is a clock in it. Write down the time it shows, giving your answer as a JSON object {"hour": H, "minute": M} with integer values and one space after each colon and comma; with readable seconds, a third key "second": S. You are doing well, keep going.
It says {"hour": 4, "minute": 13}
